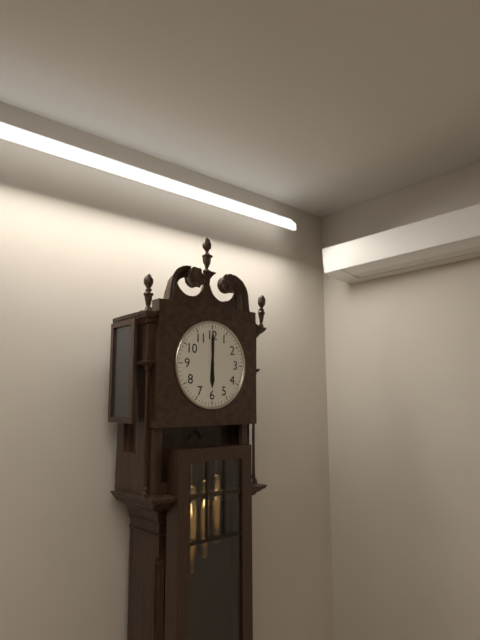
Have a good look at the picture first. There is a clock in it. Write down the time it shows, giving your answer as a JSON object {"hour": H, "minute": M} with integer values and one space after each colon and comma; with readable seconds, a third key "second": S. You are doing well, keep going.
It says {"hour": 6, "minute": 0}
